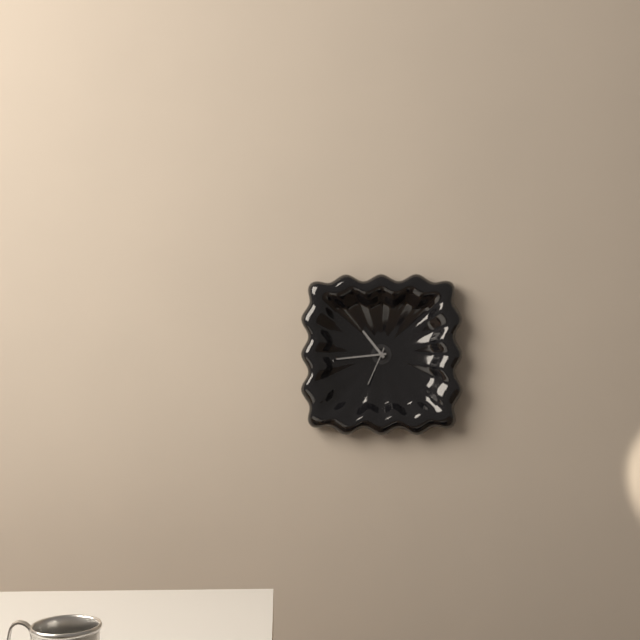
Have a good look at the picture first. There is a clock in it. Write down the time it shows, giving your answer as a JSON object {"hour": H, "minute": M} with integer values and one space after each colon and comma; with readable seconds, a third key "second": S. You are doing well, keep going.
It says {"hour": 10, "minute": 44}
